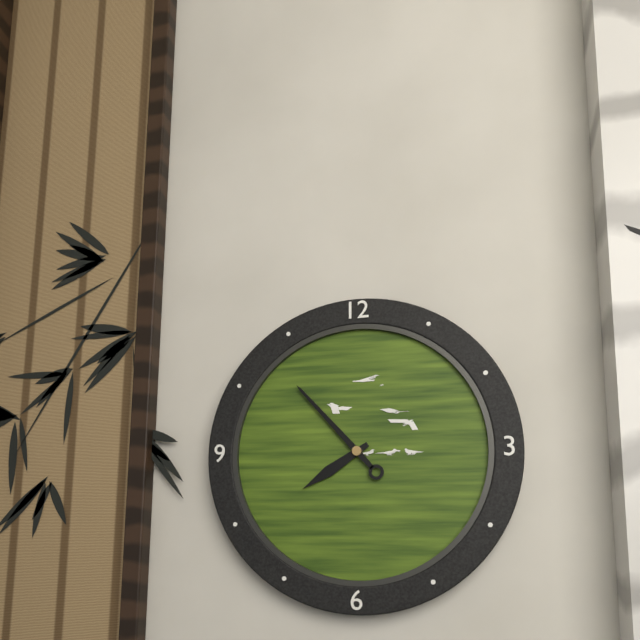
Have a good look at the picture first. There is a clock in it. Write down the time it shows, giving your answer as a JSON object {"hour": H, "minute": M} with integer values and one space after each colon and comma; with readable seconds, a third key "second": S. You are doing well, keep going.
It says {"hour": 7, "minute": 53}
